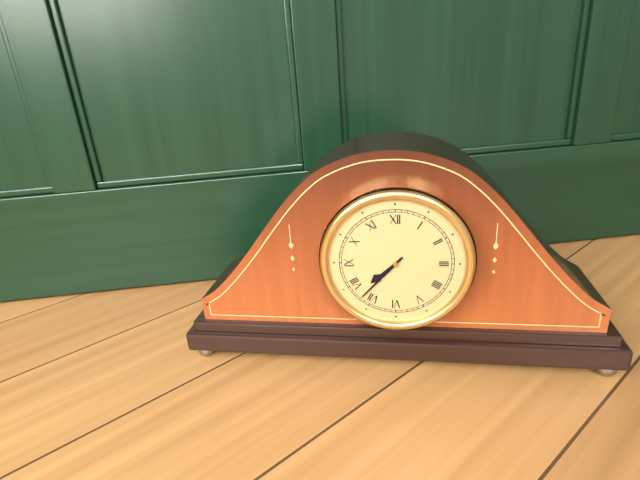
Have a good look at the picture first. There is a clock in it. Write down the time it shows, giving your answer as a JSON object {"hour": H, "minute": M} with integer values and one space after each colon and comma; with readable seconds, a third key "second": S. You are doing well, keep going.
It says {"hour": 7, "minute": 37}
